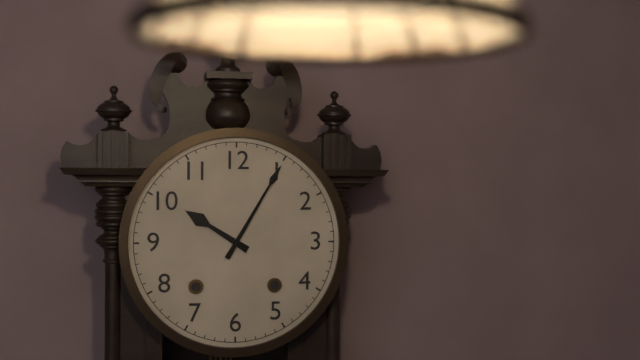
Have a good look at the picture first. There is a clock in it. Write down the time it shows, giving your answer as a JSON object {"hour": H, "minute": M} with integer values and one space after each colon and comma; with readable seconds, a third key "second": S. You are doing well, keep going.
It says {"hour": 10, "minute": 5}
